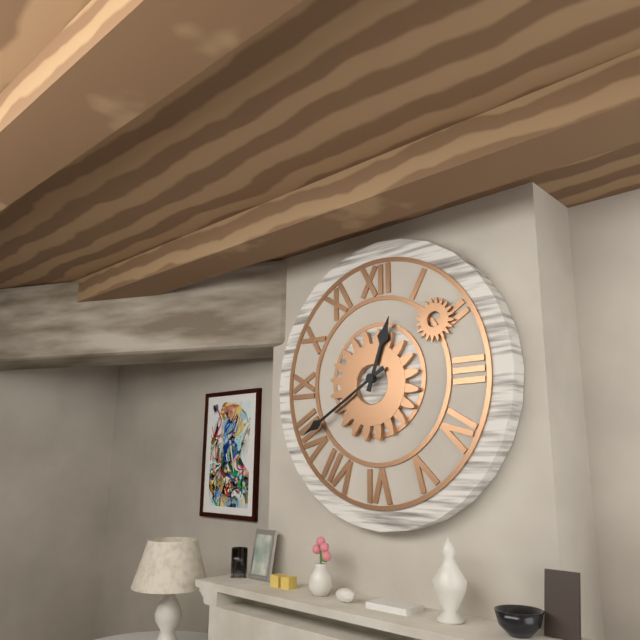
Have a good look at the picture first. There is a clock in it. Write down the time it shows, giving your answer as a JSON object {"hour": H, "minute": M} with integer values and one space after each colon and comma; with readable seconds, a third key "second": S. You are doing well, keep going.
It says {"hour": 12, "minute": 40}
